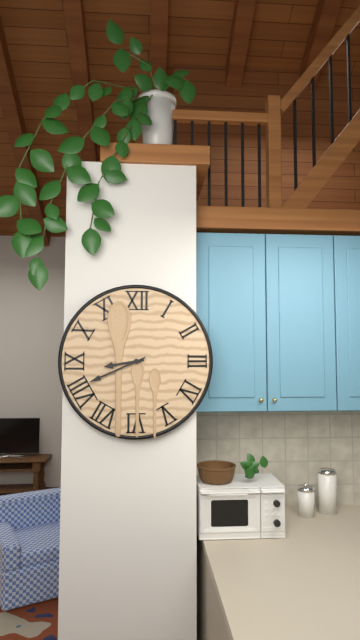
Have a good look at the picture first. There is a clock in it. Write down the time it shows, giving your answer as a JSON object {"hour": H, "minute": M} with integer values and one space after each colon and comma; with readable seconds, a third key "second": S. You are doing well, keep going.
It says {"hour": 8, "minute": 41}
